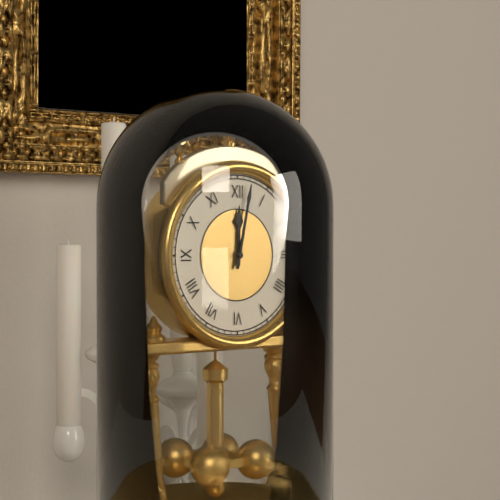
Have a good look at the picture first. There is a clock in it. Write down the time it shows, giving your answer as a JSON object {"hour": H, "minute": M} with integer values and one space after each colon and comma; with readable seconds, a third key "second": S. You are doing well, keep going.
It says {"hour": 12, "minute": 2}
